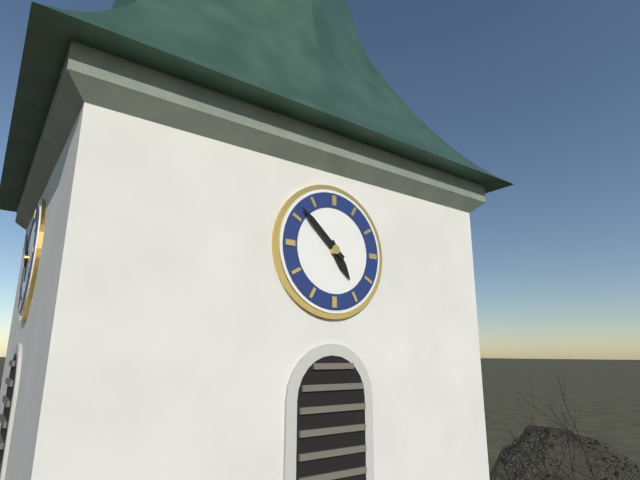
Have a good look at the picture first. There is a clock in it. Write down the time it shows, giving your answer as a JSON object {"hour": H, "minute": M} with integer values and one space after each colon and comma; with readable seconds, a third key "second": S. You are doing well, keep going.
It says {"hour": 4, "minute": 52}
